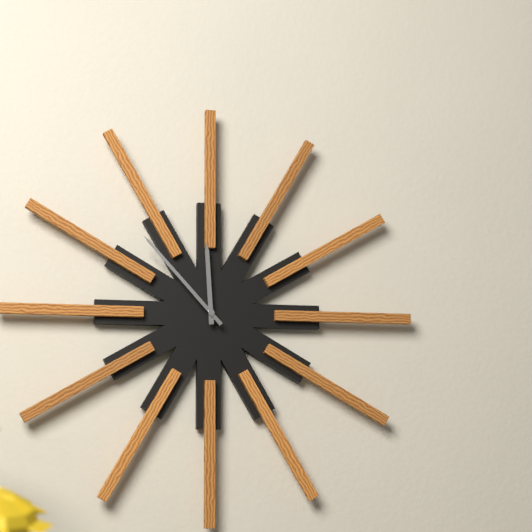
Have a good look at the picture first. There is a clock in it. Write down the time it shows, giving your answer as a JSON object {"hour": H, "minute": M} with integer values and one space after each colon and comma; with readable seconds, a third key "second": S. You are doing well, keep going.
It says {"hour": 11, "minute": 53}
